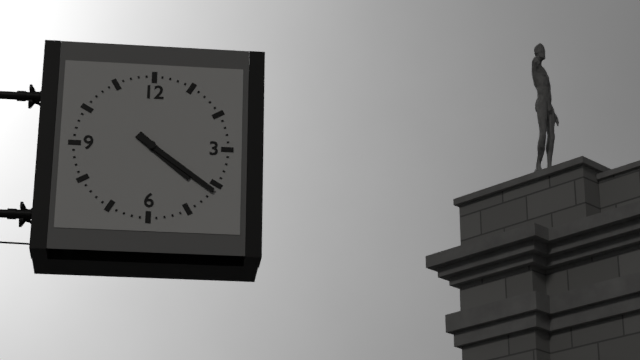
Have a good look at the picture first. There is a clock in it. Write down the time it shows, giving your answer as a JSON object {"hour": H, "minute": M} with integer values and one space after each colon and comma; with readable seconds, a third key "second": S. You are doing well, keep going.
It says {"hour": 4, "minute": 21}
